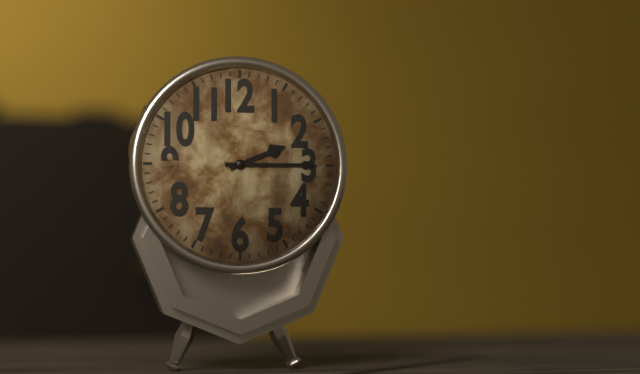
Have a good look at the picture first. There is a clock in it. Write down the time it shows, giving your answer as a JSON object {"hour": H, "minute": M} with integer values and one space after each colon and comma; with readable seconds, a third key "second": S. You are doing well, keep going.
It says {"hour": 2, "minute": 15}
